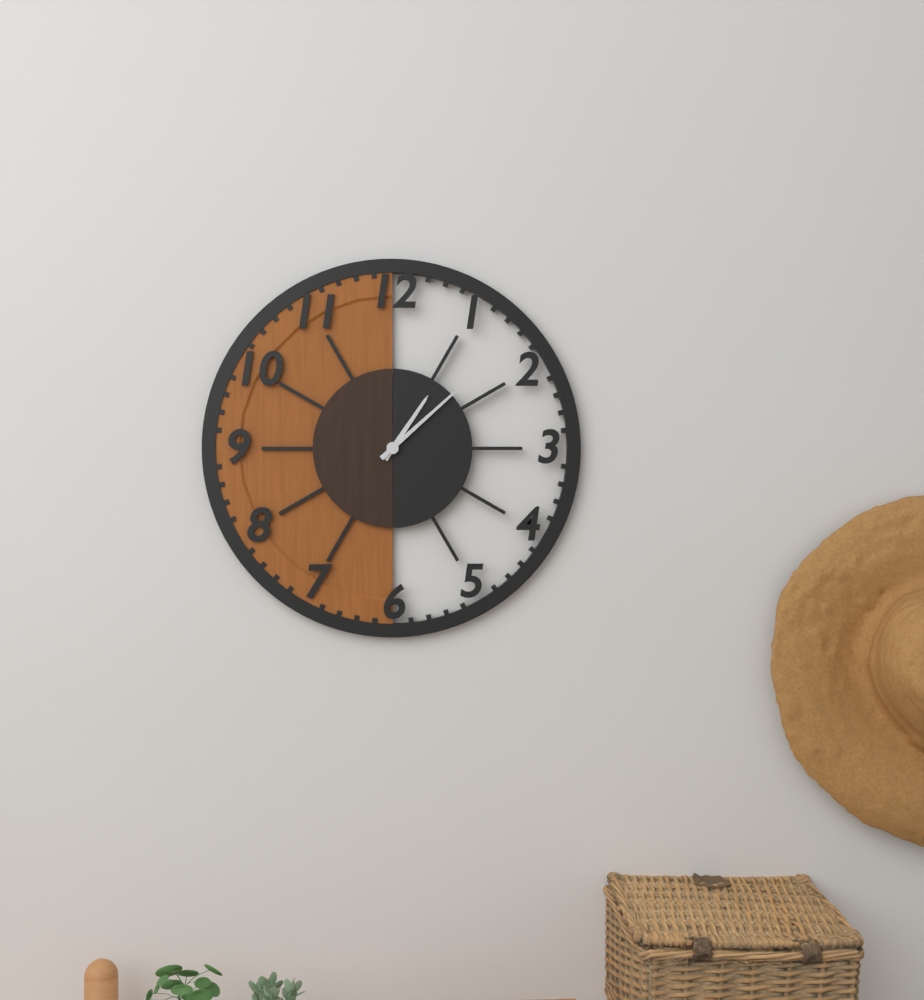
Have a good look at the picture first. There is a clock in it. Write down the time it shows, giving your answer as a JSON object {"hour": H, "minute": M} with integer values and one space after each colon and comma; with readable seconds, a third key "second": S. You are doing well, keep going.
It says {"hour": 1, "minute": 8}
